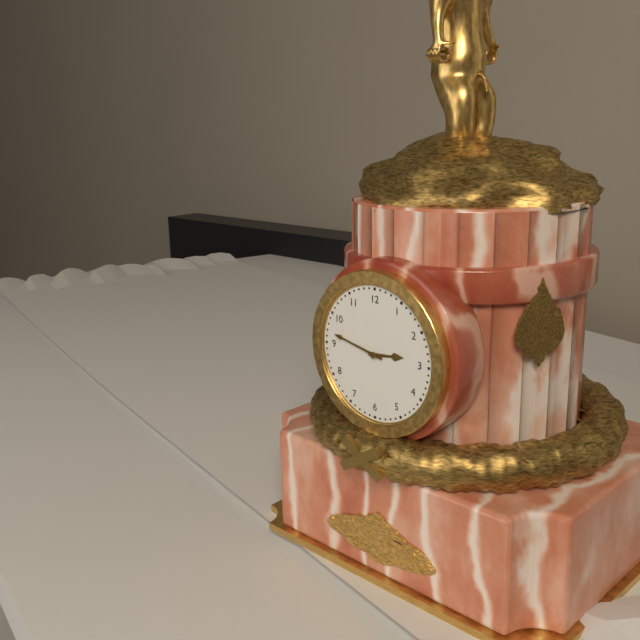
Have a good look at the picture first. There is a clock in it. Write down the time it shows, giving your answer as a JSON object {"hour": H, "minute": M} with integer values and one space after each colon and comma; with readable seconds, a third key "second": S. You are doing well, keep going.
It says {"hour": 2, "minute": 47}
